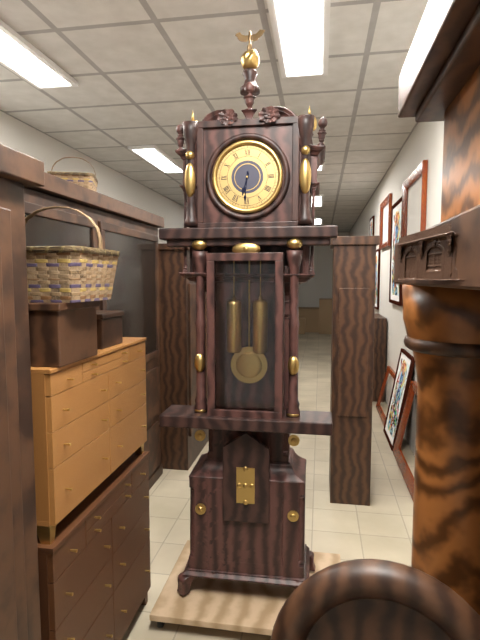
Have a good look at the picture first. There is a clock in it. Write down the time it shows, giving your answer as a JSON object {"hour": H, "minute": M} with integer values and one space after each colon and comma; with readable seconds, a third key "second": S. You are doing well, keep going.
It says {"hour": 6, "minute": 31}
